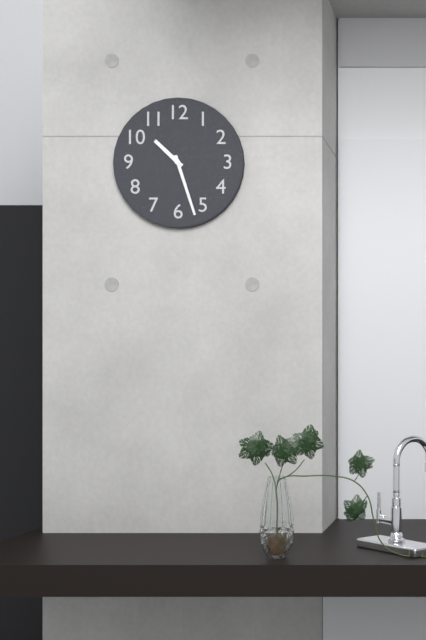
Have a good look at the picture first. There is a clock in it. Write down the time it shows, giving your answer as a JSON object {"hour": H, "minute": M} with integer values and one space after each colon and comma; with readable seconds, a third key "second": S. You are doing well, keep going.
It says {"hour": 10, "minute": 27}
